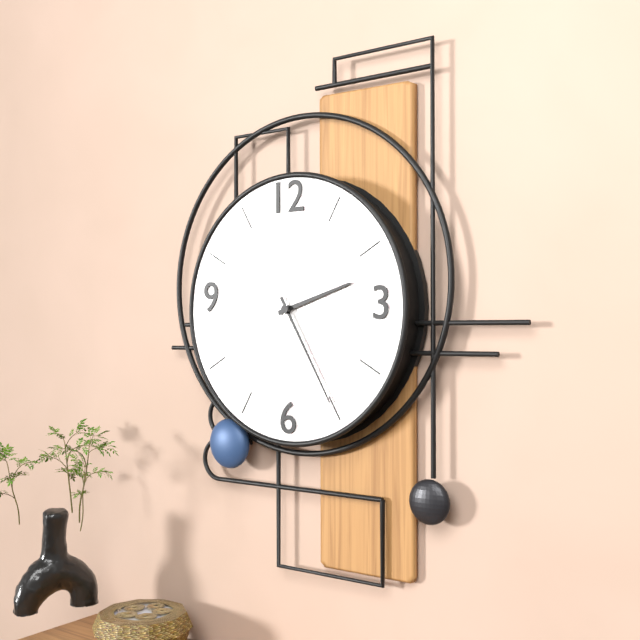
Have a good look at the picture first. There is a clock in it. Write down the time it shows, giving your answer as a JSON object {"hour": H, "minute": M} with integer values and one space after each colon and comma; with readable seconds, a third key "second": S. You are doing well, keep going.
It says {"hour": 2, "minute": 25, "second": 33}
